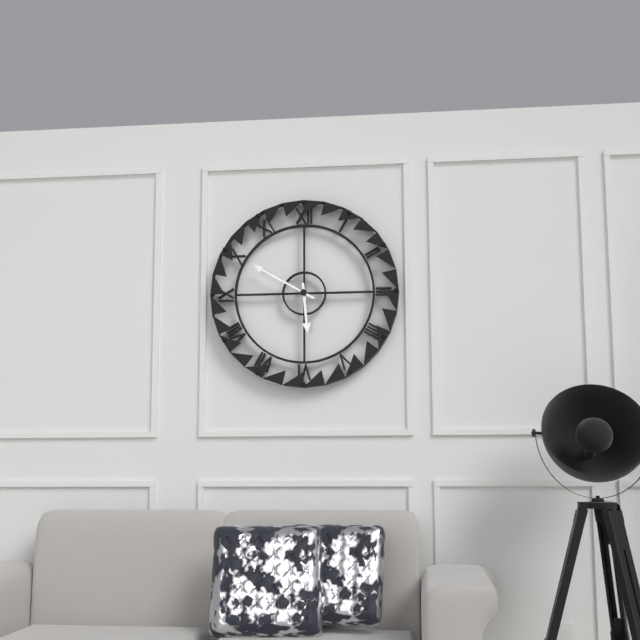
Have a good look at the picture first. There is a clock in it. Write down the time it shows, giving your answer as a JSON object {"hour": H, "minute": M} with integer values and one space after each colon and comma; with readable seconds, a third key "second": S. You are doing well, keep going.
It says {"hour": 5, "minute": 50}
